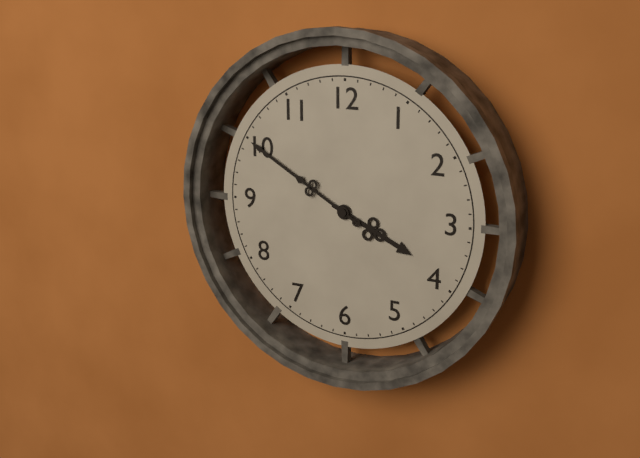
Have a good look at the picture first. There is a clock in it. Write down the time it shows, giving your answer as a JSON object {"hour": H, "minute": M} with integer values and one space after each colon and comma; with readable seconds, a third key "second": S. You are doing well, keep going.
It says {"hour": 3, "minute": 50}
